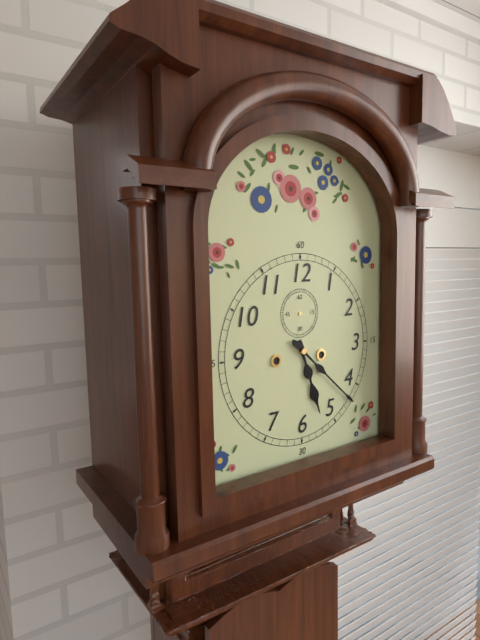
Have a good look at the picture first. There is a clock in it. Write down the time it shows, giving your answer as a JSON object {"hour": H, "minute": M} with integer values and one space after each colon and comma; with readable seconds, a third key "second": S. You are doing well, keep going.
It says {"hour": 5, "minute": 22}
